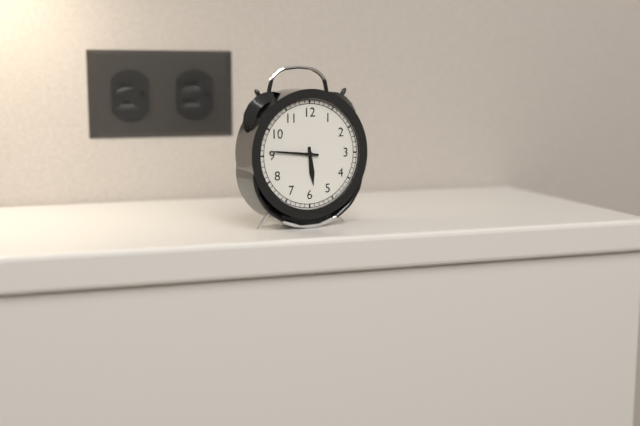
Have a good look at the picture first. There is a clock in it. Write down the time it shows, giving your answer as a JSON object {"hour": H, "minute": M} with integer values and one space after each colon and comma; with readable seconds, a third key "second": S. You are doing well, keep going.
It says {"hour": 5, "minute": 46}
